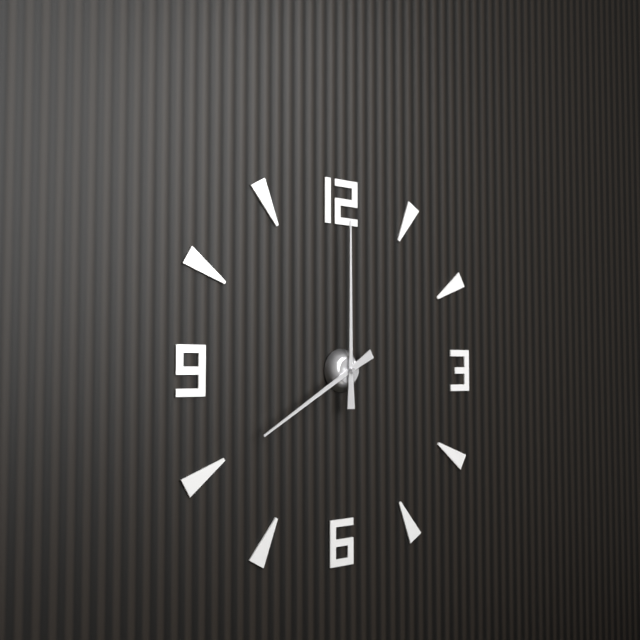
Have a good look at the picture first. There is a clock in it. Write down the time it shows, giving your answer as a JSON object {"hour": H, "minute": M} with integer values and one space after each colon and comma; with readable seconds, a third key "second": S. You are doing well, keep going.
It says {"hour": 8, "minute": 0}
